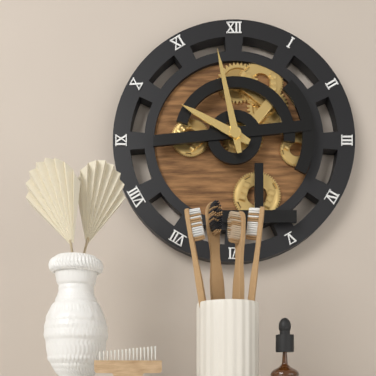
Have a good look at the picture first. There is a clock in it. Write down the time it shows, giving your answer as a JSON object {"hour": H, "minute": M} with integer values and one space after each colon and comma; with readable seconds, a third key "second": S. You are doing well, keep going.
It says {"hour": 9, "minute": 58}
